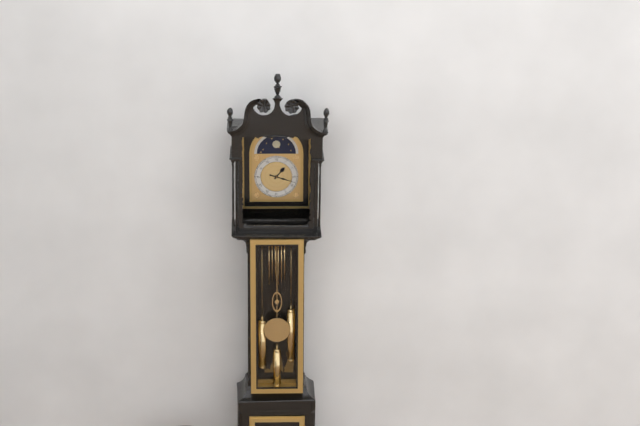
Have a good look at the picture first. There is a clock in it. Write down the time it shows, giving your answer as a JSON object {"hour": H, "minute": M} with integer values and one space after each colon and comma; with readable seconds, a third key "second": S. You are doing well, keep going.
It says {"hour": 1, "minute": 18}
